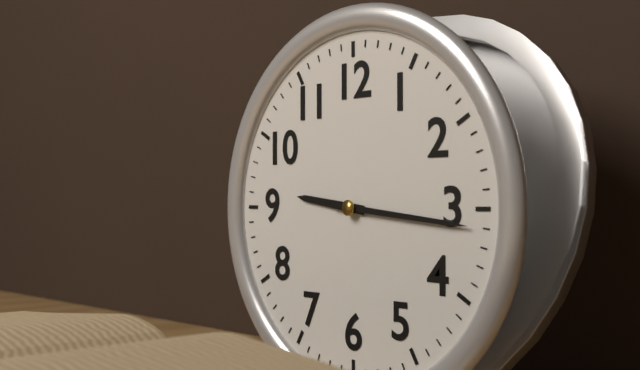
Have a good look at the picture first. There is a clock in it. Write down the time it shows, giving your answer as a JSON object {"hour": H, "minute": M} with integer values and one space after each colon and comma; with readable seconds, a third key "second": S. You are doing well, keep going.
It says {"hour": 9, "minute": 16}
